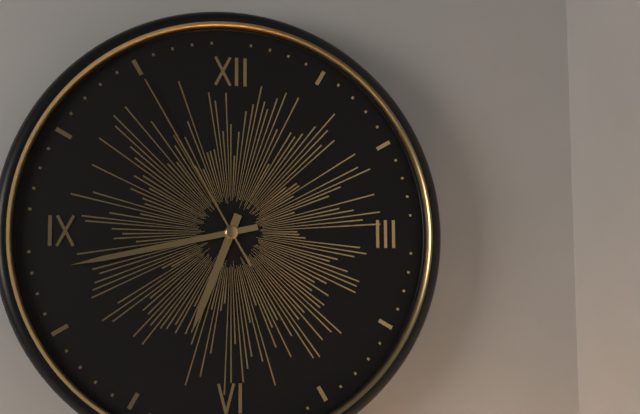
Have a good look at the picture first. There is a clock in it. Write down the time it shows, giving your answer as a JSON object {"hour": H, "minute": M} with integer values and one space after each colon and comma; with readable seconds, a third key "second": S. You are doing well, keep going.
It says {"hour": 6, "minute": 43, "second": 55}
